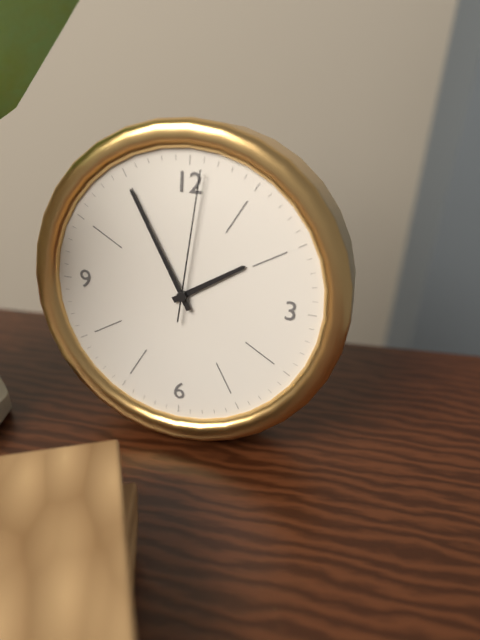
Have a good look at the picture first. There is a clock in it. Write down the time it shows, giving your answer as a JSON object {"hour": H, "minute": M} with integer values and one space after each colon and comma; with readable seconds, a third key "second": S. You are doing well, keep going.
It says {"hour": 1, "minute": 55, "second": 1}
